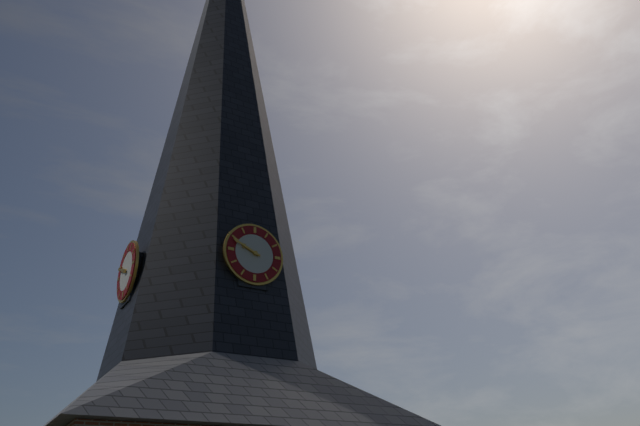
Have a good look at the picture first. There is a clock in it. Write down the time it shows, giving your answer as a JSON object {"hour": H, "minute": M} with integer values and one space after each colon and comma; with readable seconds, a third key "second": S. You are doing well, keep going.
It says {"hour": 9, "minute": 49}
